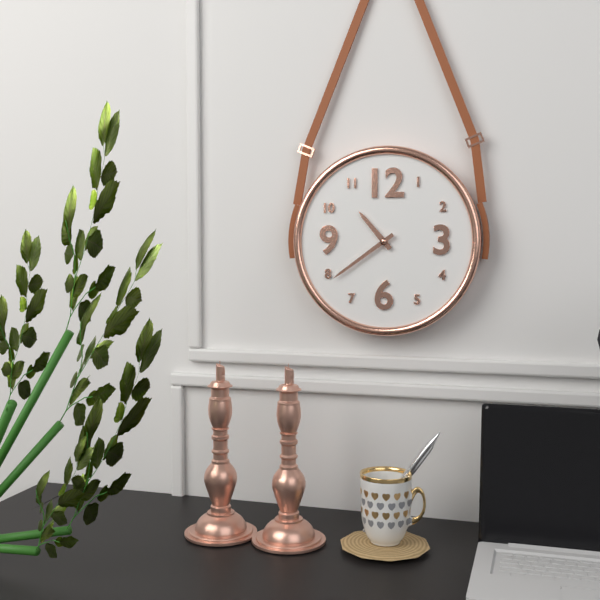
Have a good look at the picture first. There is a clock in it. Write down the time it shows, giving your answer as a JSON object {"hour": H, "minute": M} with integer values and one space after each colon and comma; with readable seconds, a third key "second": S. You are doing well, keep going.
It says {"hour": 10, "minute": 39}
